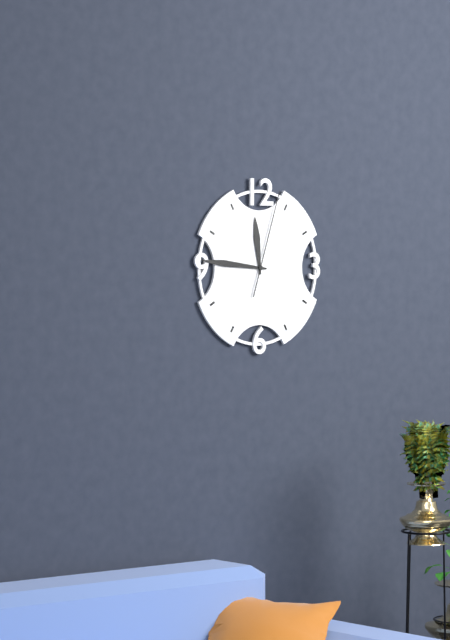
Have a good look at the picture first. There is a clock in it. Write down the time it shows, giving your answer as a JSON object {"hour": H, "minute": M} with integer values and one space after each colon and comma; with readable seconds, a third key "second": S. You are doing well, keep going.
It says {"hour": 11, "minute": 46, "second": 3}
